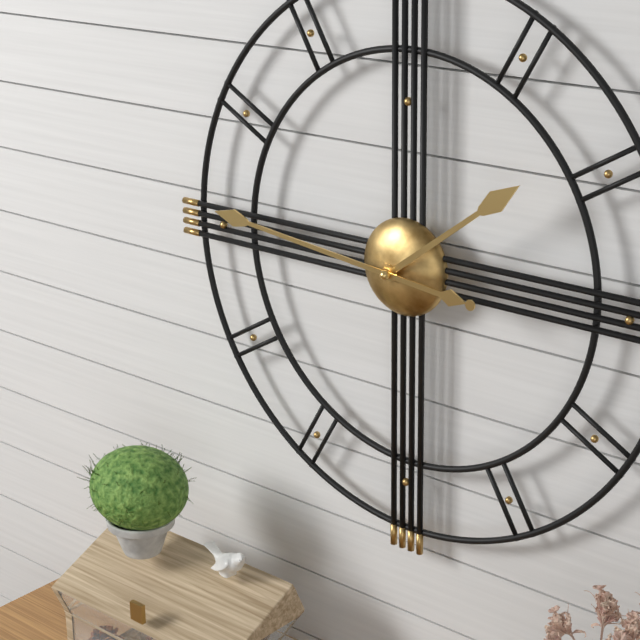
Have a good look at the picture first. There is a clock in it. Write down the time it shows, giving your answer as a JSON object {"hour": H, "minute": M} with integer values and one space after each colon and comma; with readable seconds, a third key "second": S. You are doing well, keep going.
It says {"hour": 1, "minute": 46}
